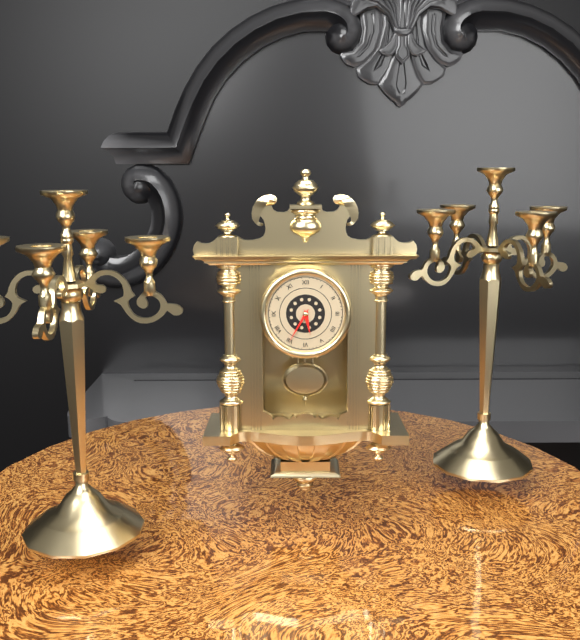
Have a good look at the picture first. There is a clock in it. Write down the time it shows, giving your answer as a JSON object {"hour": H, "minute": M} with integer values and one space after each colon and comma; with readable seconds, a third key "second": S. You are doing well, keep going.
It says {"hour": 5, "minute": 35}
